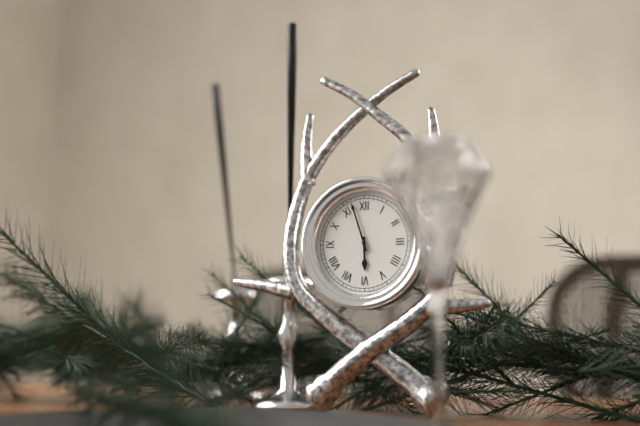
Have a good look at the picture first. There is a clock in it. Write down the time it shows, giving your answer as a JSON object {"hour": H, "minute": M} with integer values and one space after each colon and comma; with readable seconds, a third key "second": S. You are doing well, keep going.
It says {"hour": 5, "minute": 57}
